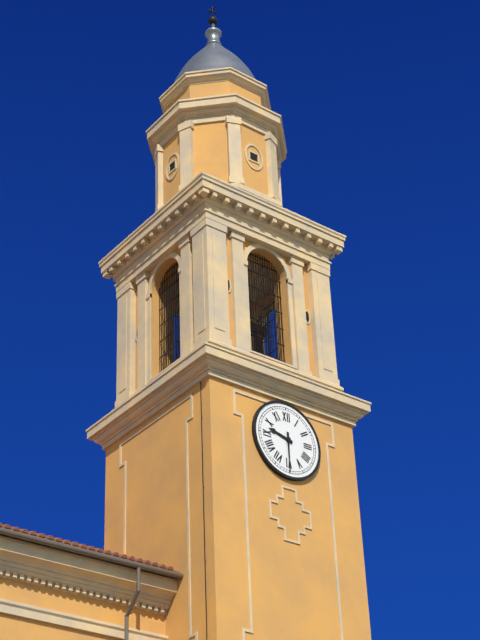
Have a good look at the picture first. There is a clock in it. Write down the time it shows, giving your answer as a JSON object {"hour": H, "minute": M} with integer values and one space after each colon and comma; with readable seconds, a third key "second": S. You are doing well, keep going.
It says {"hour": 9, "minute": 30}
